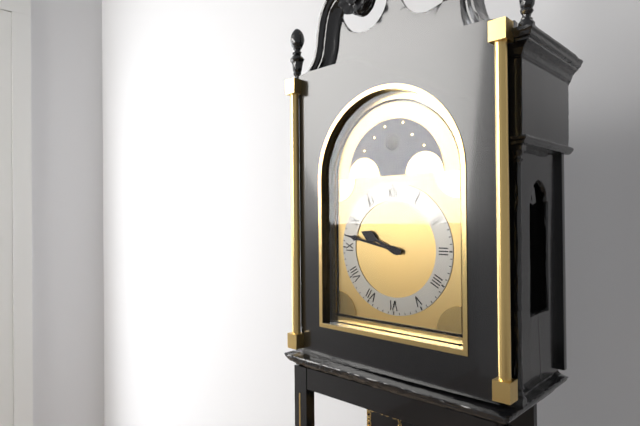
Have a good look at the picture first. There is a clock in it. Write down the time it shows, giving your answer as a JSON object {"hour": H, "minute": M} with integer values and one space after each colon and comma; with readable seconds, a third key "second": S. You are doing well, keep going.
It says {"hour": 9, "minute": 47}
